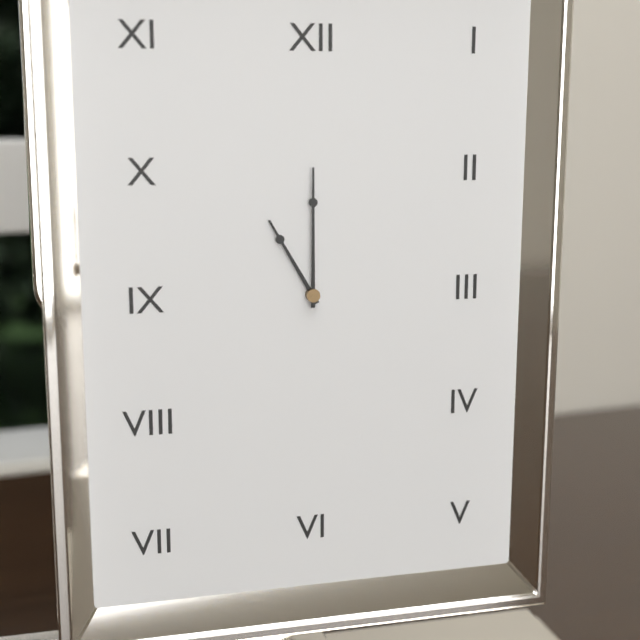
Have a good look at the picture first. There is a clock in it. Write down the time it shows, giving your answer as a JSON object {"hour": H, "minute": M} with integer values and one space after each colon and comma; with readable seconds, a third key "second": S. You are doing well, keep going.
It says {"hour": 11, "minute": 0}
